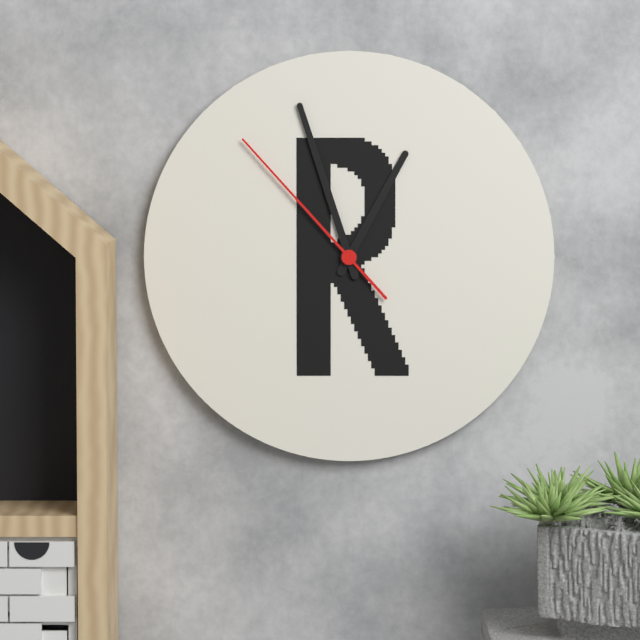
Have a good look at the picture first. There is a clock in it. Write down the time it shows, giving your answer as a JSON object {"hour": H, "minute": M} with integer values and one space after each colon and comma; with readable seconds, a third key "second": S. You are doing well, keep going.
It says {"hour": 12, "minute": 57, "second": 53}
